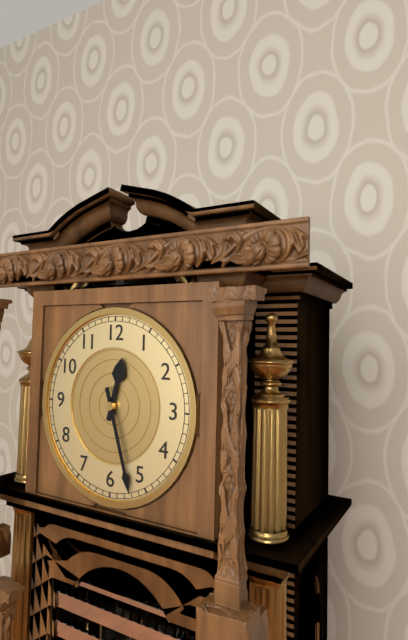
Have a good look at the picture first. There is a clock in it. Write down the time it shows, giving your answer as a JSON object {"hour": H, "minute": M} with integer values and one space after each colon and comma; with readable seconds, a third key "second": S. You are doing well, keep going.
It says {"hour": 12, "minute": 27}
